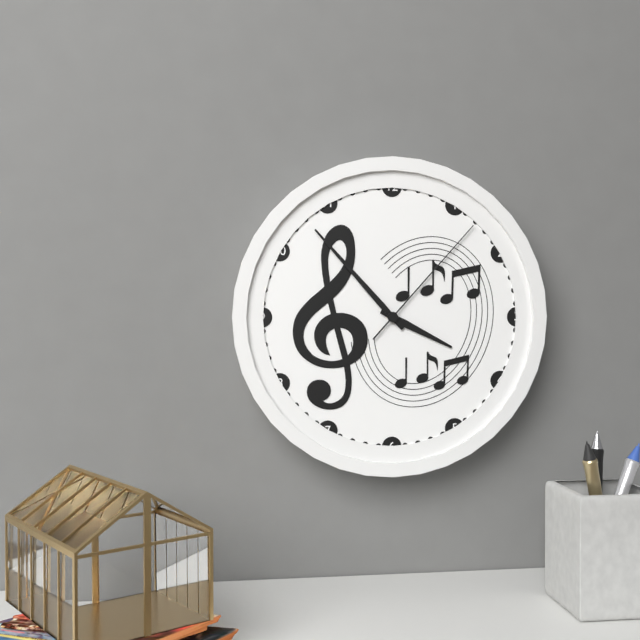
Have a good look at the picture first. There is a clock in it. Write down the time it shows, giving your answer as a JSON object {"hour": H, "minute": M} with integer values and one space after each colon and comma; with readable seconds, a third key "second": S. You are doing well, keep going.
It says {"hour": 3, "minute": 53, "second": 7}
